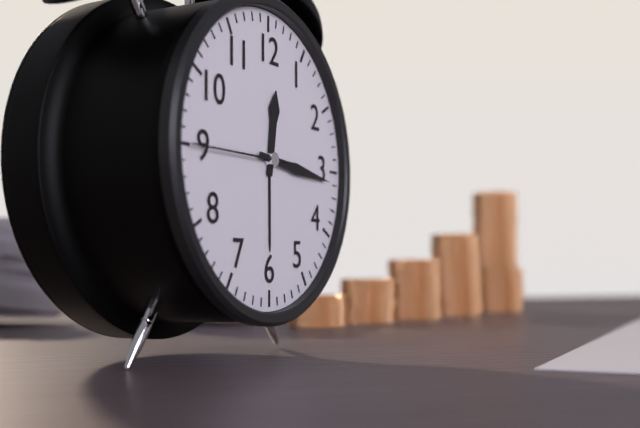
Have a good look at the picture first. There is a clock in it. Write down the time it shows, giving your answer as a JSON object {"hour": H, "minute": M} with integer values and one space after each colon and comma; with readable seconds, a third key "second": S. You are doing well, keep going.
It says {"hour": 12, "minute": 16, "second": 45}
